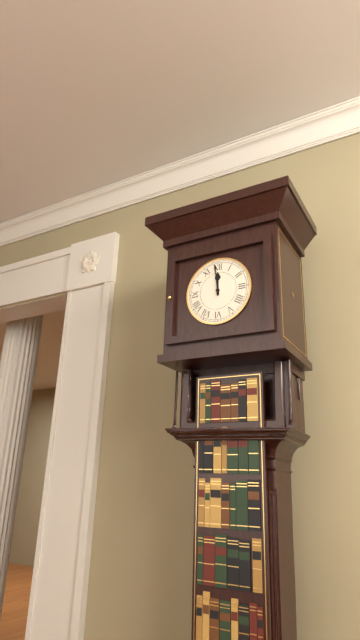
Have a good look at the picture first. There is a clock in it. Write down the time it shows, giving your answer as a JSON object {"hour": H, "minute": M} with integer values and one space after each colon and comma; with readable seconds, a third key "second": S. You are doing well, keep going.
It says {"hour": 11, "minute": 59}
